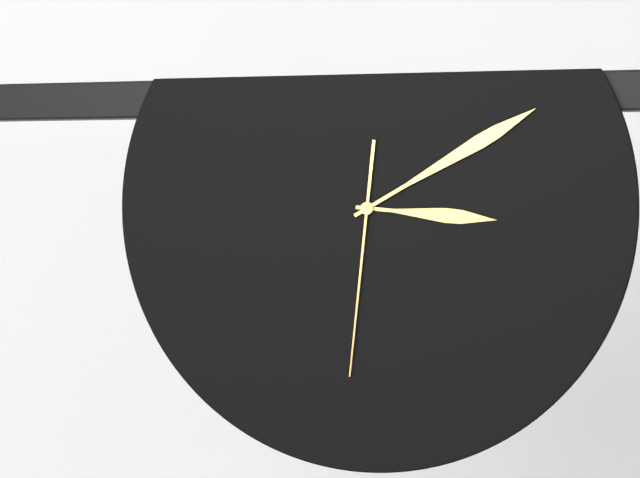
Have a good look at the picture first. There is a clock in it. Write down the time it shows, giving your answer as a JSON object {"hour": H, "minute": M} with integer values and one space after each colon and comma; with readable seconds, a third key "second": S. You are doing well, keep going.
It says {"hour": 3, "minute": 10, "second": 31}
